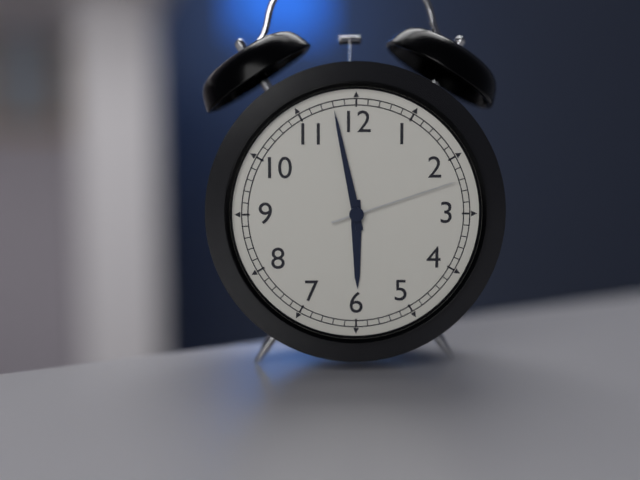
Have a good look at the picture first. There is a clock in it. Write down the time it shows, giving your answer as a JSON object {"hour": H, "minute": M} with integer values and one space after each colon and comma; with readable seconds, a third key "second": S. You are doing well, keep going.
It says {"hour": 5, "minute": 58, "second": 12}
